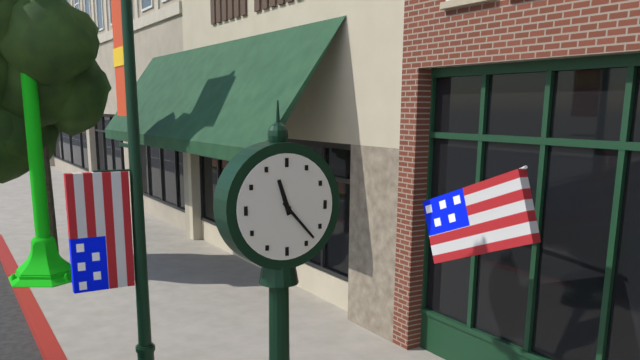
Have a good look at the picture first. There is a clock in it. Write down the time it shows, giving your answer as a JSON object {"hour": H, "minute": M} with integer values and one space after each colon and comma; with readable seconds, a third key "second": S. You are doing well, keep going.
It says {"hour": 11, "minute": 23}
